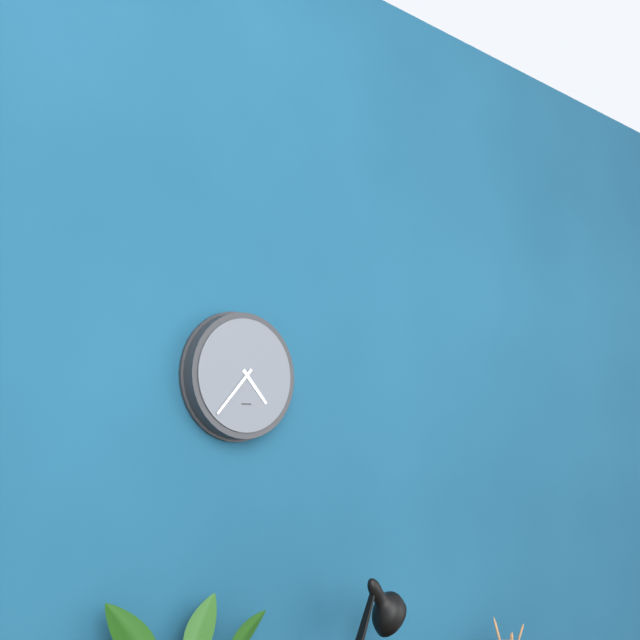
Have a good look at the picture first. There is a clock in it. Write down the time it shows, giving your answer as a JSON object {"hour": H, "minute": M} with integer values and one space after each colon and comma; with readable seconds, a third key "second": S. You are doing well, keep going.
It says {"hour": 4, "minute": 37}
